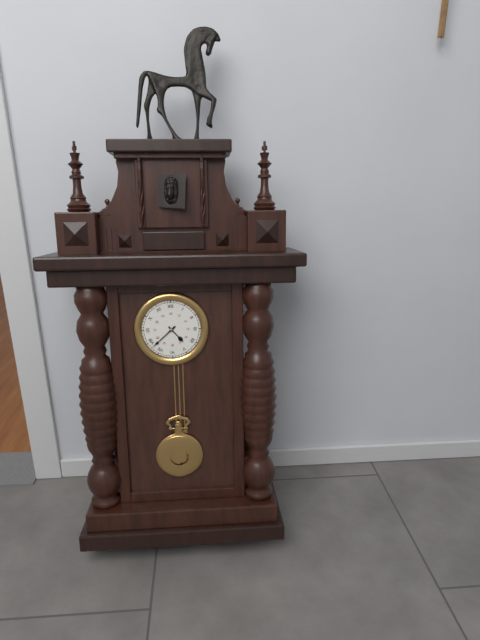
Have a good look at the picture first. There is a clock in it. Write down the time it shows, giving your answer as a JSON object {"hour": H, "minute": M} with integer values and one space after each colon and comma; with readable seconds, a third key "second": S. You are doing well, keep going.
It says {"hour": 4, "minute": 38}
